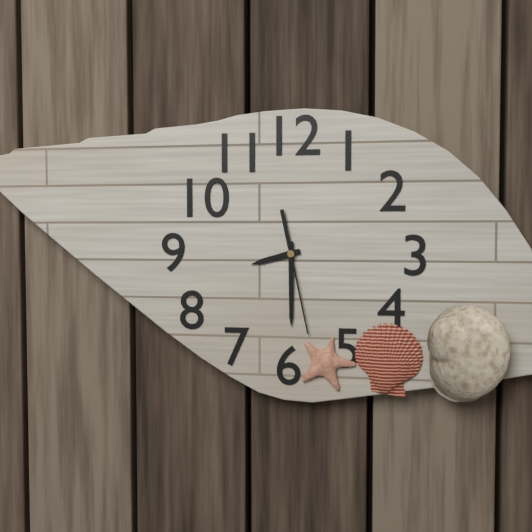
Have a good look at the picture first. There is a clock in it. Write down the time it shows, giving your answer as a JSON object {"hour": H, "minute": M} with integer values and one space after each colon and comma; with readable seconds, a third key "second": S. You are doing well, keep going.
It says {"hour": 8, "minute": 30, "second": 28}
